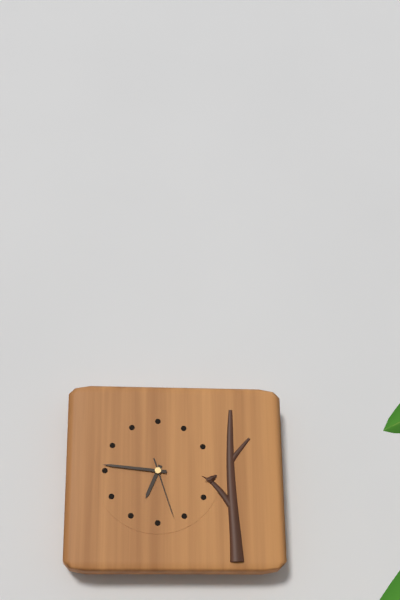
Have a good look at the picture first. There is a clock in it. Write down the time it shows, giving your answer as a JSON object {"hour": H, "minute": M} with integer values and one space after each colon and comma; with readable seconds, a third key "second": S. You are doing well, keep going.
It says {"hour": 6, "minute": 46, "second": 27}
